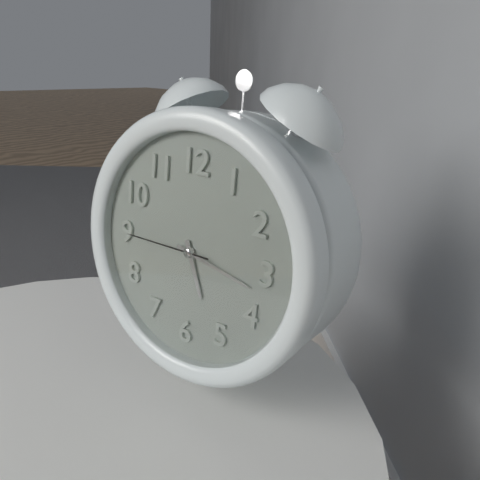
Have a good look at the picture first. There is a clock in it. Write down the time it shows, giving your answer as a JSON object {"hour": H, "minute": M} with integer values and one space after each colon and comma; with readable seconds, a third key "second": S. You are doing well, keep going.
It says {"hour": 5, "minute": 17, "second": 45}
